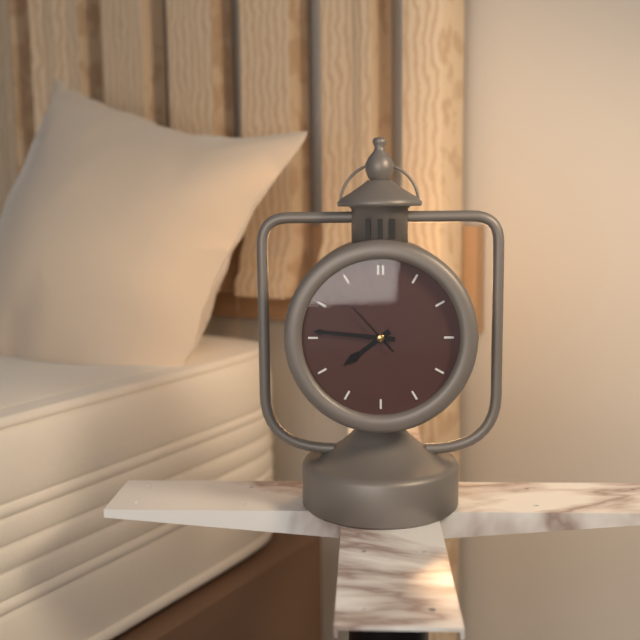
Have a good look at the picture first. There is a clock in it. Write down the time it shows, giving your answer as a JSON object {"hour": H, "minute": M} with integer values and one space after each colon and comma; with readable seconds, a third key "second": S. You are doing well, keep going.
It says {"hour": 7, "minute": 46, "second": 53}
